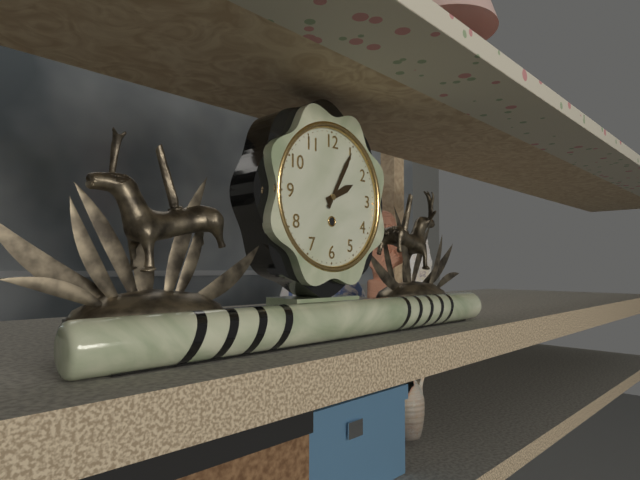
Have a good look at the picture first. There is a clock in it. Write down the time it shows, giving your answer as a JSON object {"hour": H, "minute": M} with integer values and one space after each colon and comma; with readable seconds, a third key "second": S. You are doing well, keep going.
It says {"hour": 2, "minute": 5}
